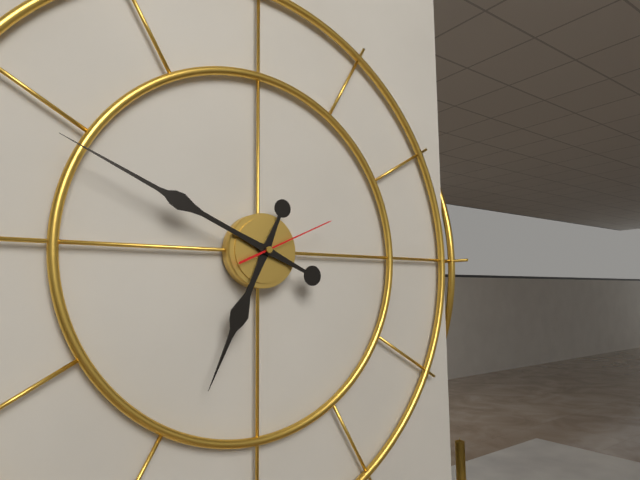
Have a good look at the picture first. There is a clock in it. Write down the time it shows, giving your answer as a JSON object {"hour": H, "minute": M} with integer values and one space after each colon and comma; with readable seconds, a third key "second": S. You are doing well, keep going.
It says {"hour": 6, "minute": 49, "second": 11}
